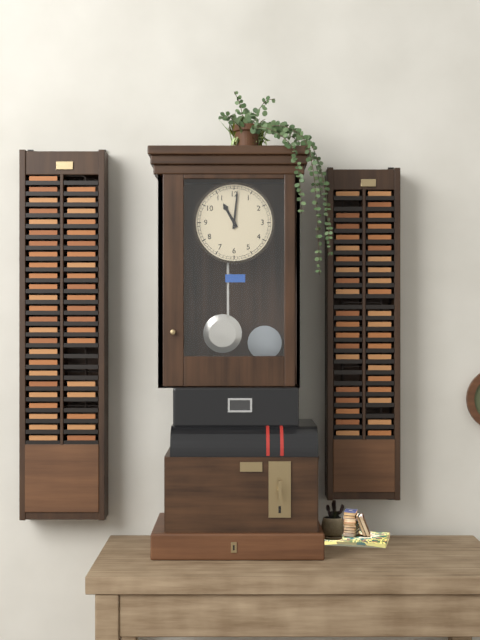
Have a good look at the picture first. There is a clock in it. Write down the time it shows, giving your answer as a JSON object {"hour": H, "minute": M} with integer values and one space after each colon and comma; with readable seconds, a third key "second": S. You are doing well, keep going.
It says {"hour": 11, "minute": 1}
